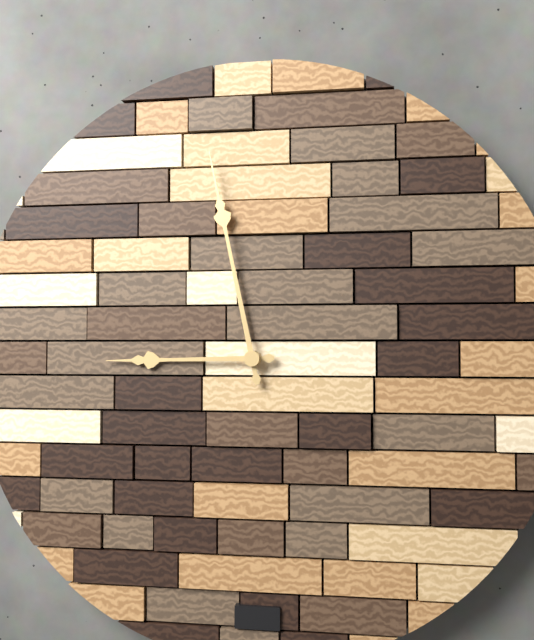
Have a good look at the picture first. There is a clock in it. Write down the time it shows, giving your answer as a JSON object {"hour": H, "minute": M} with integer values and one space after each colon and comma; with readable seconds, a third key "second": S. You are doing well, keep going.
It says {"hour": 8, "minute": 58}
